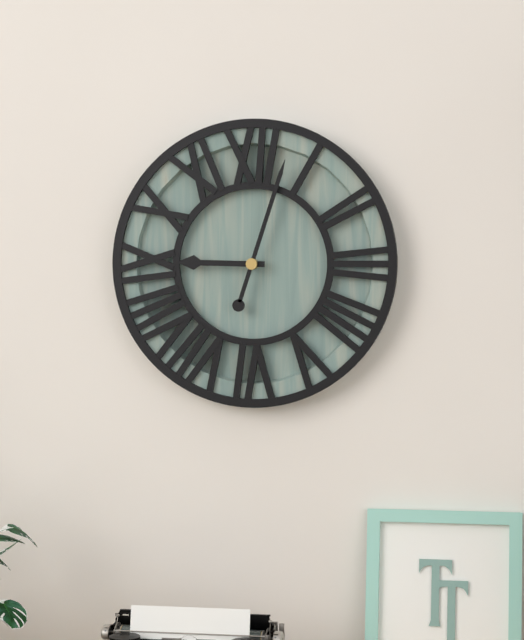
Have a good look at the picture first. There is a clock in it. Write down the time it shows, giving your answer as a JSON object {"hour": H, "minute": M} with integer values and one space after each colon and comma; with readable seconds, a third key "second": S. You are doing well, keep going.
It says {"hour": 9, "minute": 3}
